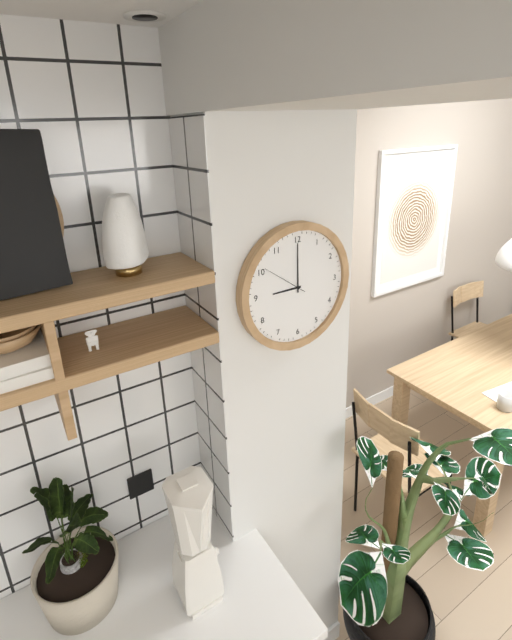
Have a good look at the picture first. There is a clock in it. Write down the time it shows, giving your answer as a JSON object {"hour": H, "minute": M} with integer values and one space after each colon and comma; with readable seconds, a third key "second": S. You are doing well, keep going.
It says {"hour": 9, "minute": 0}
